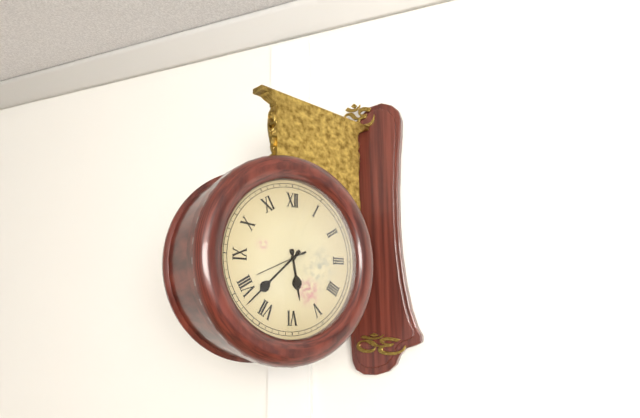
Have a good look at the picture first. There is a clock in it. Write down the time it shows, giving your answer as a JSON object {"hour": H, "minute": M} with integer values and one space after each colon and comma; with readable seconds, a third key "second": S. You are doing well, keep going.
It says {"hour": 5, "minute": 38}
